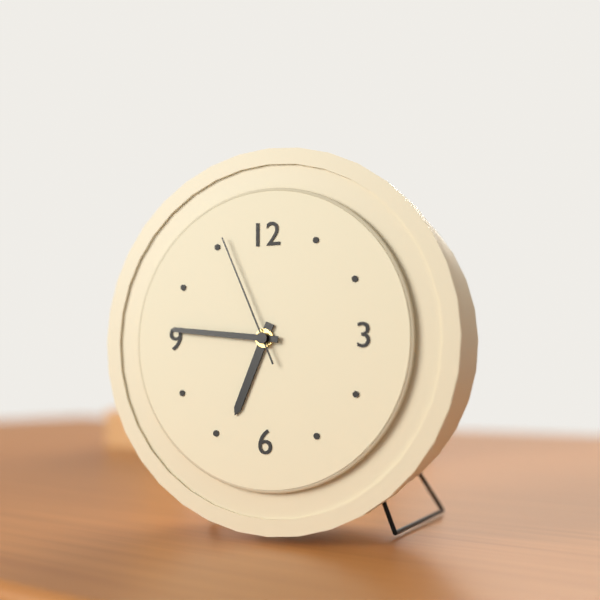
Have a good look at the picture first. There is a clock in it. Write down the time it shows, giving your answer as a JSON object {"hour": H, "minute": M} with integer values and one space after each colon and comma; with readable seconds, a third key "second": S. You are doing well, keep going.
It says {"hour": 6, "minute": 46, "second": 56}
